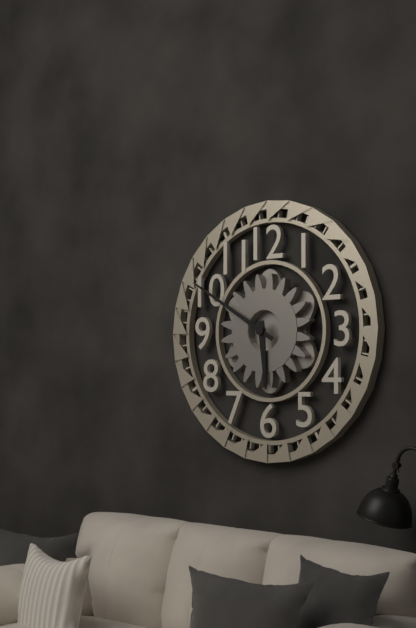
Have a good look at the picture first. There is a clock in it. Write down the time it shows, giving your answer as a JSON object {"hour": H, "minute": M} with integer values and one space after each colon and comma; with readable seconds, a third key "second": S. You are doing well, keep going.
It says {"hour": 5, "minute": 50}
